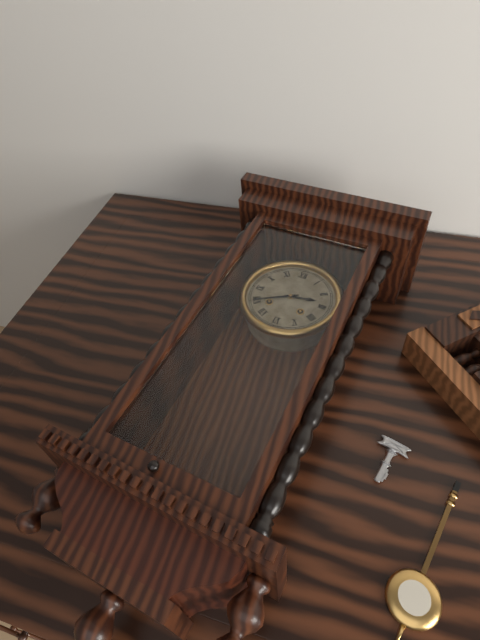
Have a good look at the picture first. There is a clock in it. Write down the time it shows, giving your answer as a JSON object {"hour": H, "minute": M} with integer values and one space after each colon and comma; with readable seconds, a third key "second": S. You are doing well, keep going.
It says {"hour": 2, "minute": 40}
